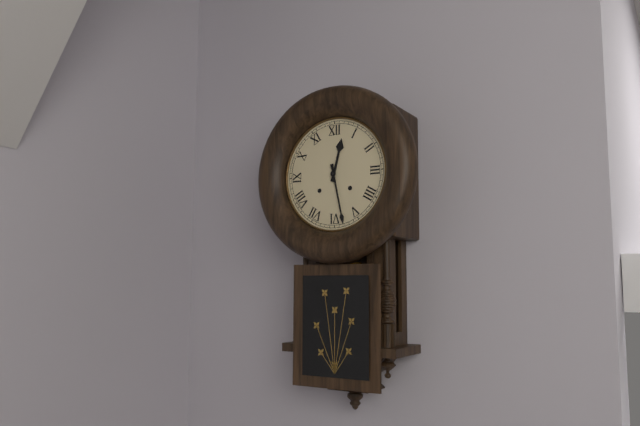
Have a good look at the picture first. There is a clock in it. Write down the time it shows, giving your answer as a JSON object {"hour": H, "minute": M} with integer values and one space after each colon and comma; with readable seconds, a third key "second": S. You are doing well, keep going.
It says {"hour": 12, "minute": 28}
